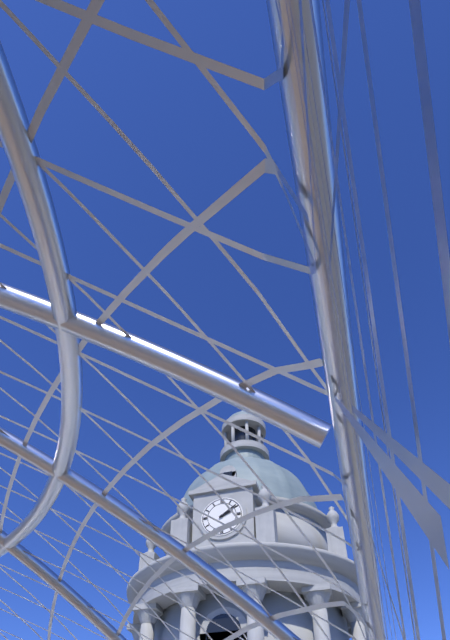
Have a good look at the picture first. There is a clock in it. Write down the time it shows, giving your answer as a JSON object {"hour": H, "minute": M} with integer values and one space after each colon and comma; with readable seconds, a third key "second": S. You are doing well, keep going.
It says {"hour": 2, "minute": 9}
